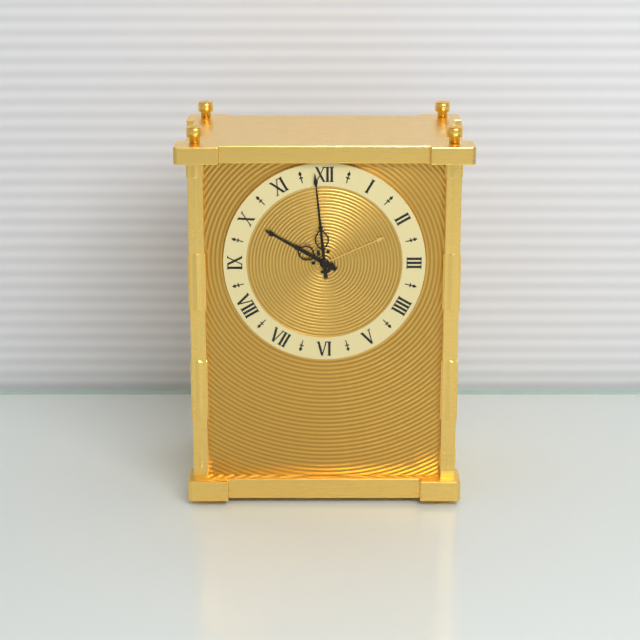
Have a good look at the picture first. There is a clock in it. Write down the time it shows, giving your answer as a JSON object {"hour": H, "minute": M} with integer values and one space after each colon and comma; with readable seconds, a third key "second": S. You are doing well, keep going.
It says {"hour": 9, "minute": 59}
